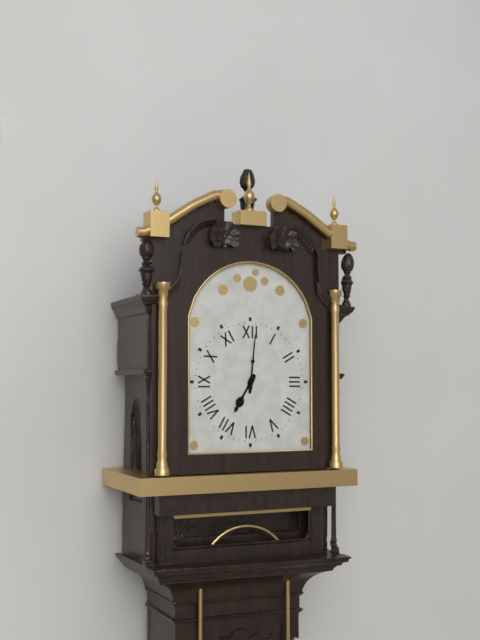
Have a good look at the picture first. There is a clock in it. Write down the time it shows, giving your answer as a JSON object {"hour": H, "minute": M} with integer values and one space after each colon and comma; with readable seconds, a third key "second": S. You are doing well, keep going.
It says {"hour": 7, "minute": 1}
